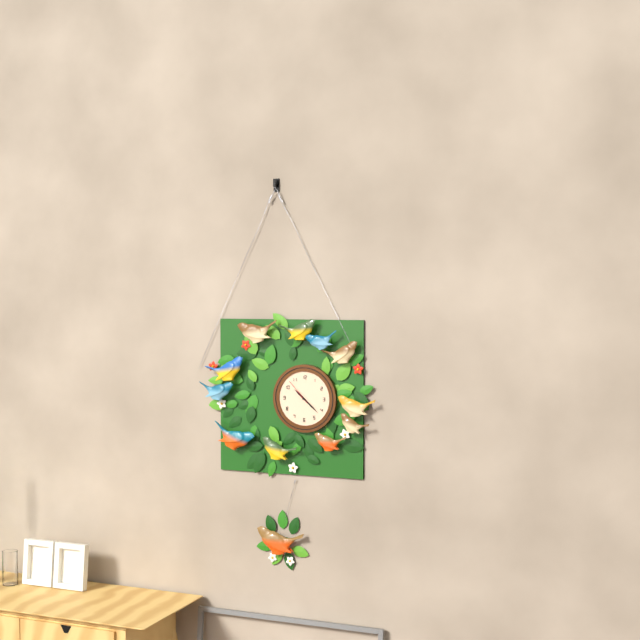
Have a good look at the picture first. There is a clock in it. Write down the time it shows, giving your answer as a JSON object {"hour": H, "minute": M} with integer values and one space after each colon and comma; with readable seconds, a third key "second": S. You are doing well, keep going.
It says {"hour": 10, "minute": 22}
